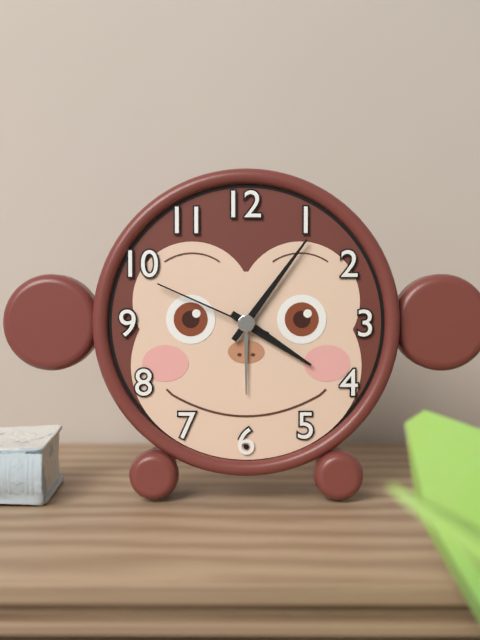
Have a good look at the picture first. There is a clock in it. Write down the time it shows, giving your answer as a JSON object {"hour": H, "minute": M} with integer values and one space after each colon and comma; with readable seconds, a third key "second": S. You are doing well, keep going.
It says {"hour": 4, "minute": 6, "second": 49}
